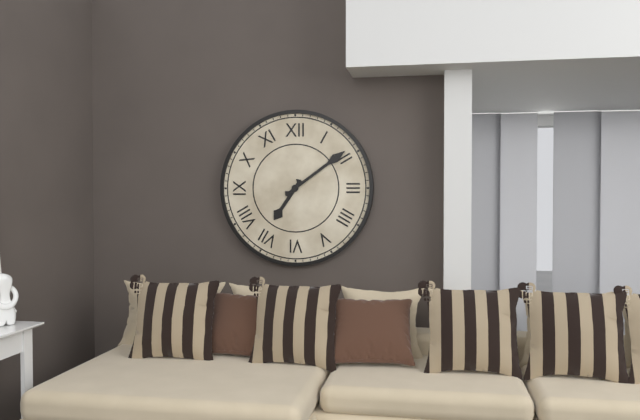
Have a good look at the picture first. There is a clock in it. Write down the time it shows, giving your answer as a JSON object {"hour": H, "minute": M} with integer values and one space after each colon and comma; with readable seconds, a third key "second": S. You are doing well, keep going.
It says {"hour": 7, "minute": 9}
